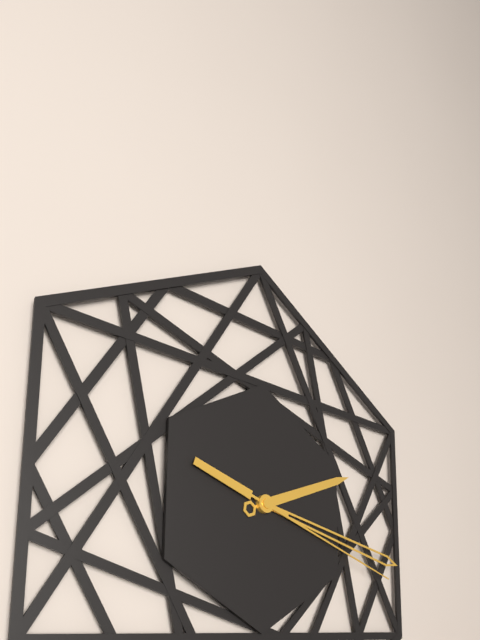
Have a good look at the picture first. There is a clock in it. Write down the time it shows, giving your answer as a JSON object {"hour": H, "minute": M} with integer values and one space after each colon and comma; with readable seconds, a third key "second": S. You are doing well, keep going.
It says {"hour": 2, "minute": 17, "second": 18}
